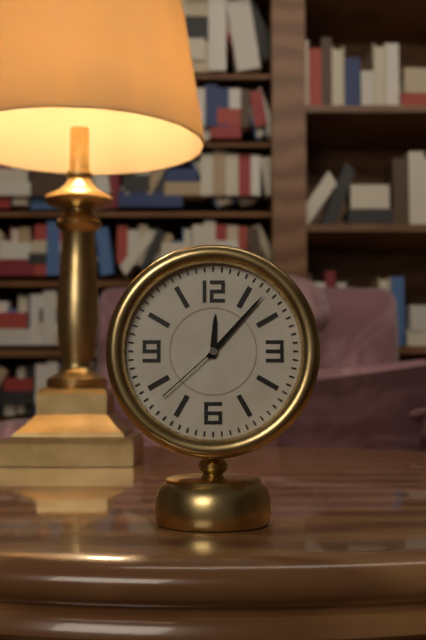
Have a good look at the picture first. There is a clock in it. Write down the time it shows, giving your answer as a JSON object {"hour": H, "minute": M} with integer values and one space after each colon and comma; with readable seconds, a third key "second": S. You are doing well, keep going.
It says {"hour": 12, "minute": 7, "second": 38}
